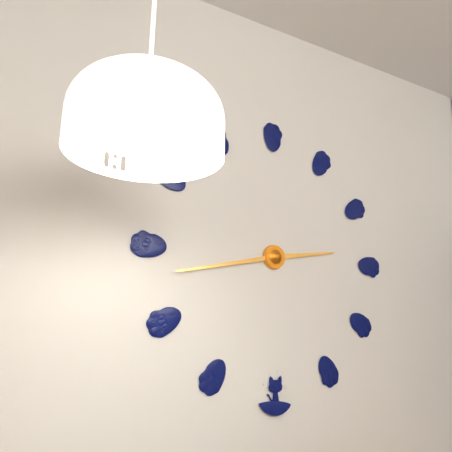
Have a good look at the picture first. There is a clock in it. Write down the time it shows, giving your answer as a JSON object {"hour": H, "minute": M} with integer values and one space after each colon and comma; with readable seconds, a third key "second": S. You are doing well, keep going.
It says {"hour": 2, "minute": 43}
